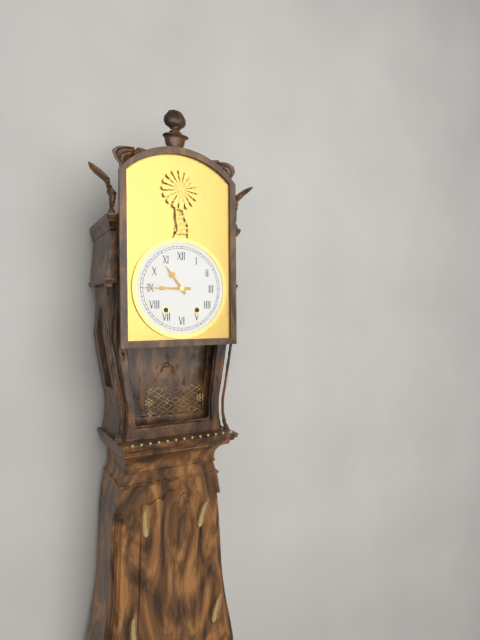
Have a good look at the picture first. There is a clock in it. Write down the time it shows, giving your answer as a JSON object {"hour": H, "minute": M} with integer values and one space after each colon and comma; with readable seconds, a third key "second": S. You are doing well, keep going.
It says {"hour": 10, "minute": 45}
